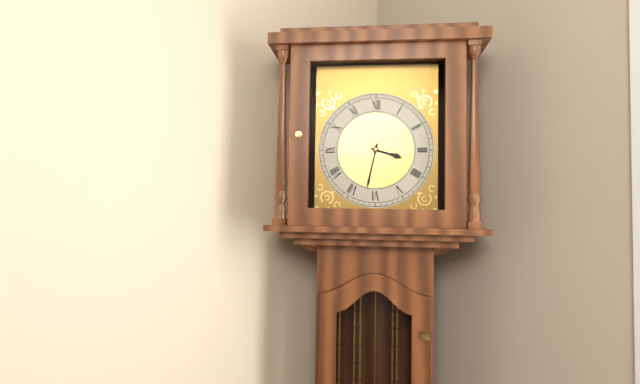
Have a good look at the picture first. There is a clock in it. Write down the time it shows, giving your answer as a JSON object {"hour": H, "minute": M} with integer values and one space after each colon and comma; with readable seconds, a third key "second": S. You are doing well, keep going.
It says {"hour": 3, "minute": 32}
